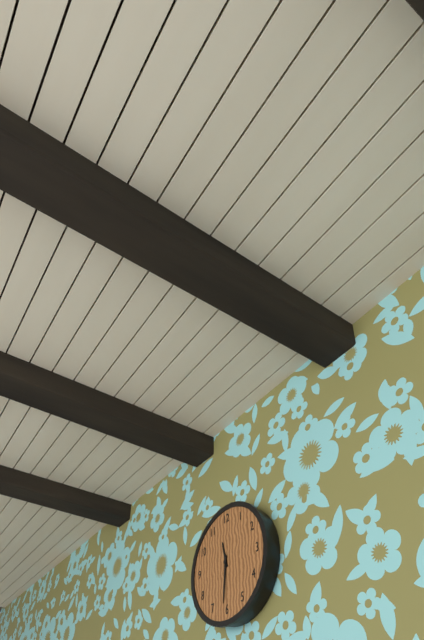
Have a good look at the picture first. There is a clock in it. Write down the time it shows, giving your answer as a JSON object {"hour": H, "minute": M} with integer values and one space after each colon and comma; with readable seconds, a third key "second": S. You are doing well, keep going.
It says {"hour": 11, "minute": 31}
